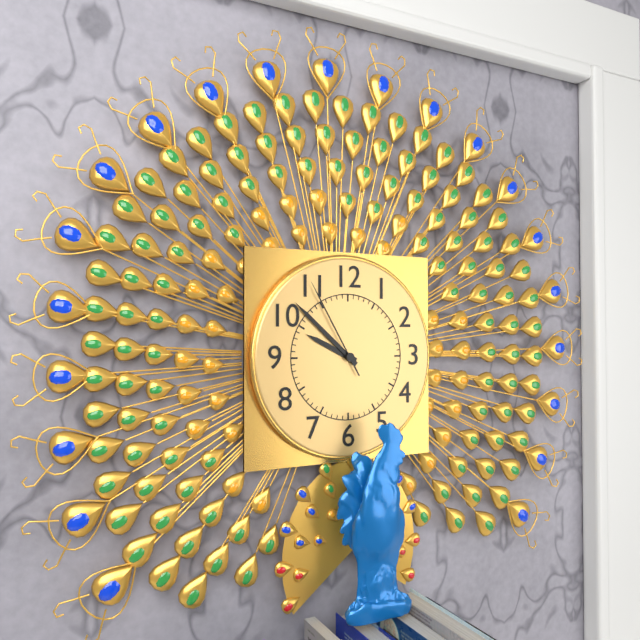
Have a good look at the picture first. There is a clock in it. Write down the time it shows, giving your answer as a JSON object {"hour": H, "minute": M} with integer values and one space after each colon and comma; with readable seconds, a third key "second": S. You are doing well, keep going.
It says {"hour": 9, "minute": 52, "second": 55}
